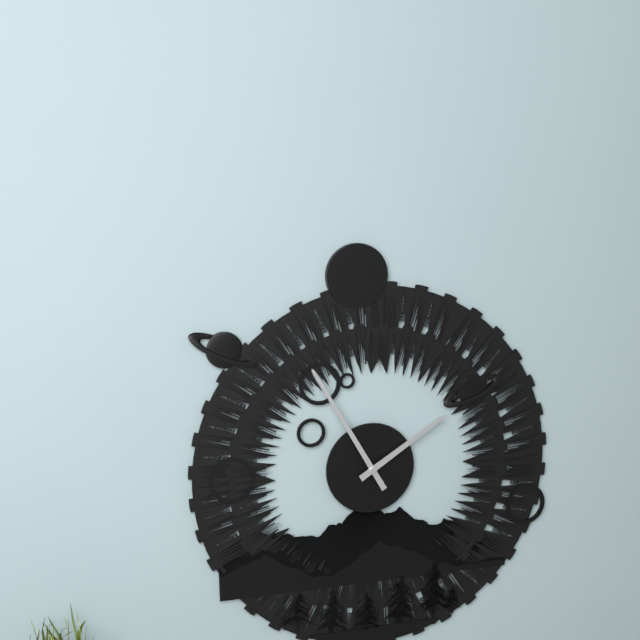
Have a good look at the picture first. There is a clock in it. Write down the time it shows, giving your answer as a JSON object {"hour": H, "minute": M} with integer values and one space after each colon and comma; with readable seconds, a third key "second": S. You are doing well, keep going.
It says {"hour": 1, "minute": 55}
